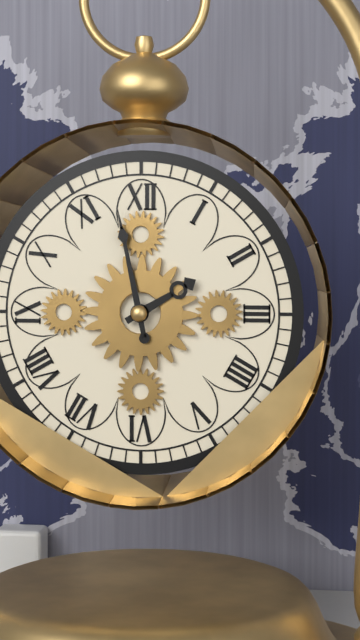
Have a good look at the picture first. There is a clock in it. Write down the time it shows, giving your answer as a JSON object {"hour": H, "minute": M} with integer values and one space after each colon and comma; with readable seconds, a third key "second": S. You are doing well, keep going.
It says {"hour": 1, "minute": 58}
